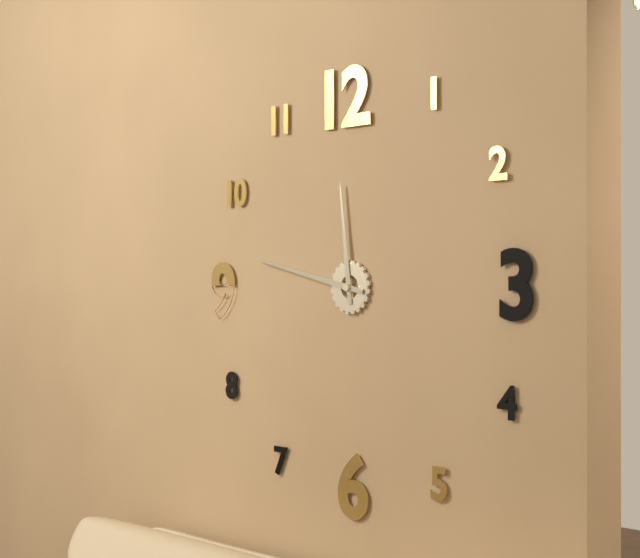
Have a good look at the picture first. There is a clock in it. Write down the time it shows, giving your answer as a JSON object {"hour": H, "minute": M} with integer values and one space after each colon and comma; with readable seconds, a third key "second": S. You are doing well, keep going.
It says {"hour": 11, "minute": 47}
